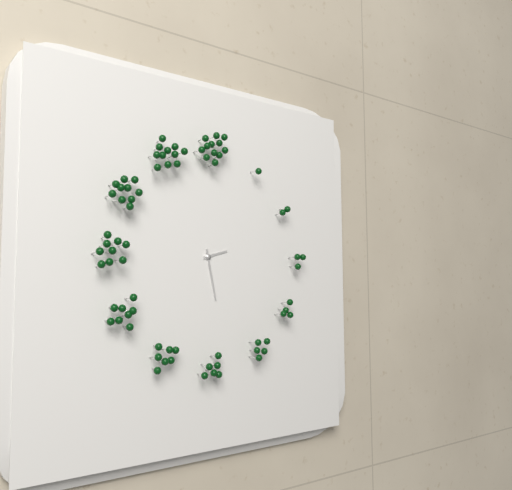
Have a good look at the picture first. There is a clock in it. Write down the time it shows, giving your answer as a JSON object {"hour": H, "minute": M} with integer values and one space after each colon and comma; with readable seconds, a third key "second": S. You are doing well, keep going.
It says {"hour": 2, "minute": 28}
